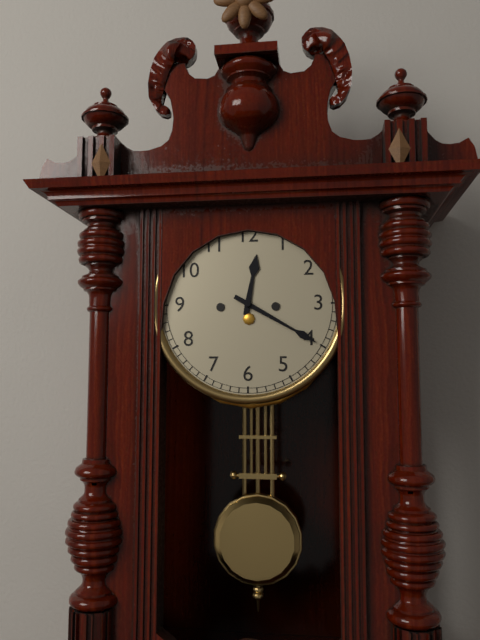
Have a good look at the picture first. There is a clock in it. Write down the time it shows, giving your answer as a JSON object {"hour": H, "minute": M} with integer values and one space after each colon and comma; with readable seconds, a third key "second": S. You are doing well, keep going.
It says {"hour": 12, "minute": 20}
